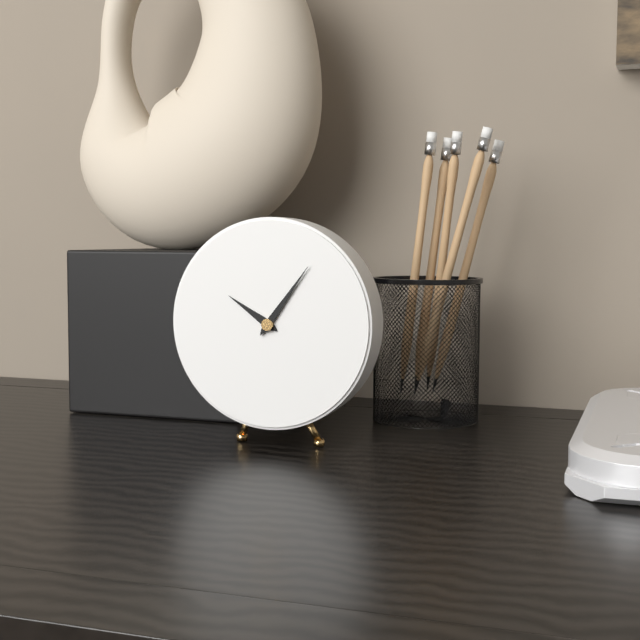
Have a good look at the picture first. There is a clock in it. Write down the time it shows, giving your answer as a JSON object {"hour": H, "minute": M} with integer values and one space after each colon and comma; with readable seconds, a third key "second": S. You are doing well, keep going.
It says {"hour": 10, "minute": 6}
